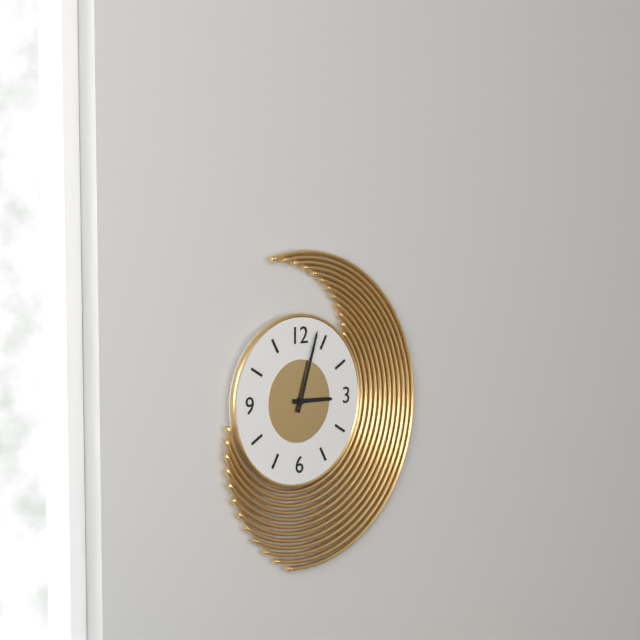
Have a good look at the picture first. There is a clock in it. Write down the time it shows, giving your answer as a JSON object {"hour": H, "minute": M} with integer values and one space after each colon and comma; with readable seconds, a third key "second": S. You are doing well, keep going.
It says {"hour": 3, "minute": 3}
